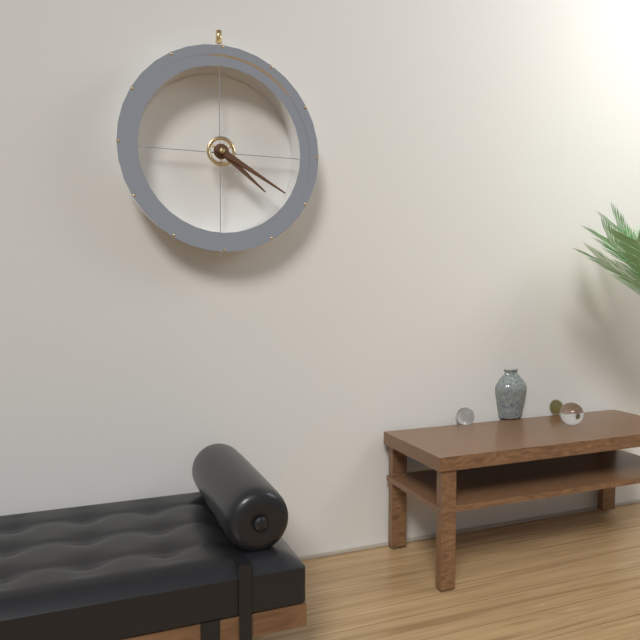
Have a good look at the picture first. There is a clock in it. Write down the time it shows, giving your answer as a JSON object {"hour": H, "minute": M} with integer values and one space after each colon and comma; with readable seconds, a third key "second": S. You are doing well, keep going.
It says {"hour": 4, "minute": 20}
